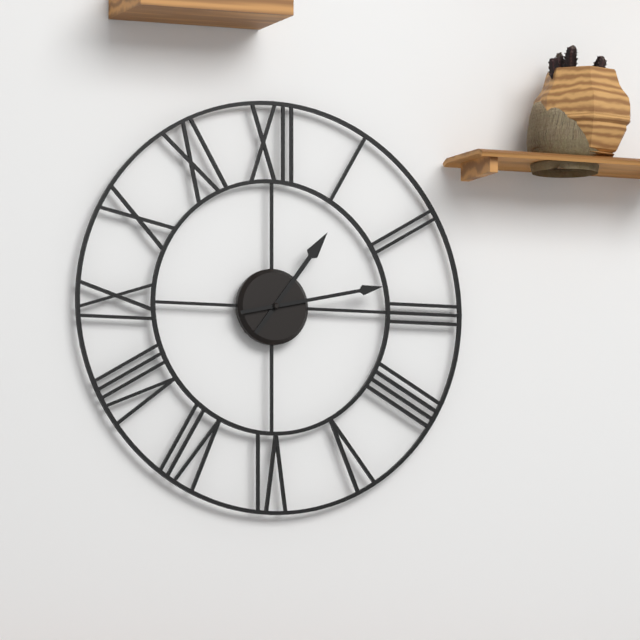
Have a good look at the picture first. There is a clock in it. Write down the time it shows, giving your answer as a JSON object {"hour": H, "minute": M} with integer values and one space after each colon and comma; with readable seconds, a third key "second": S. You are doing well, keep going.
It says {"hour": 1, "minute": 13}
